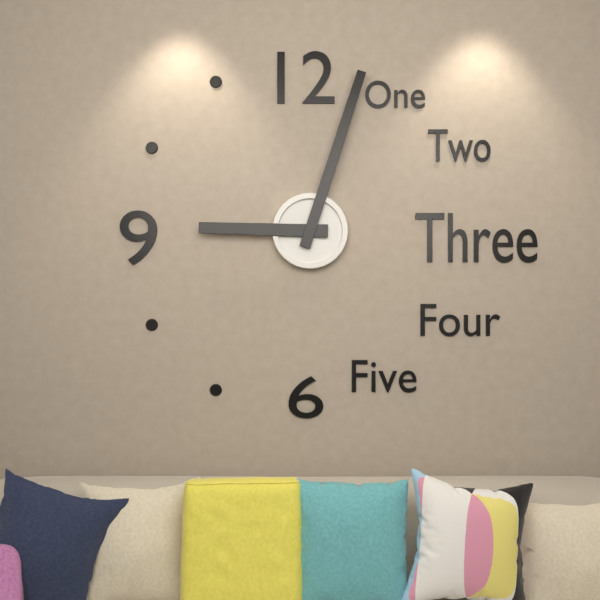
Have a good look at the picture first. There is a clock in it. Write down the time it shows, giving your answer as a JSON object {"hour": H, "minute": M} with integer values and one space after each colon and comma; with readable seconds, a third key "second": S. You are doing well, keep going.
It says {"hour": 9, "minute": 3}
